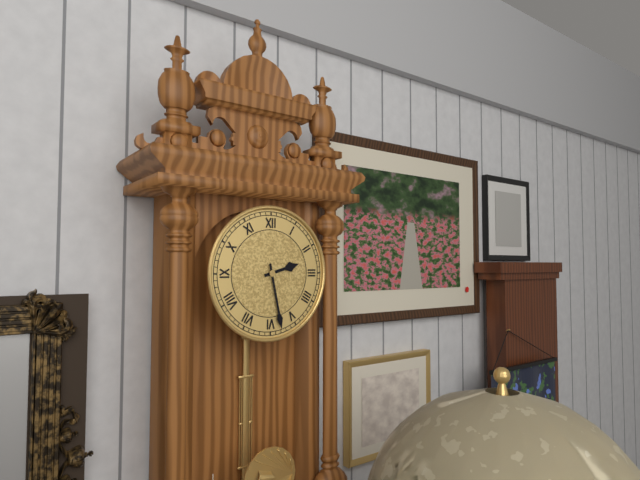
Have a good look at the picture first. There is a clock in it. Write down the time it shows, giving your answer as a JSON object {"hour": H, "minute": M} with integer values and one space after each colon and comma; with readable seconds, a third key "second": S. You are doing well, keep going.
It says {"hour": 2, "minute": 28}
